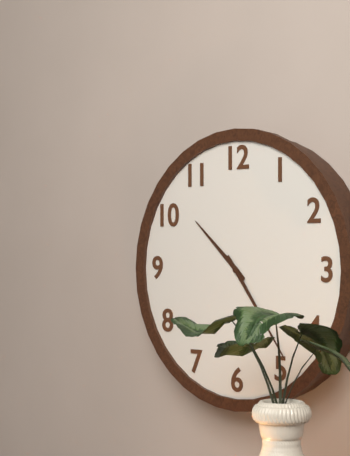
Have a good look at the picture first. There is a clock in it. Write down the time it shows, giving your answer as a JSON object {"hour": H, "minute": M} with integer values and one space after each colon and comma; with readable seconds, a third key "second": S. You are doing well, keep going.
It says {"hour": 10, "minute": 24}
